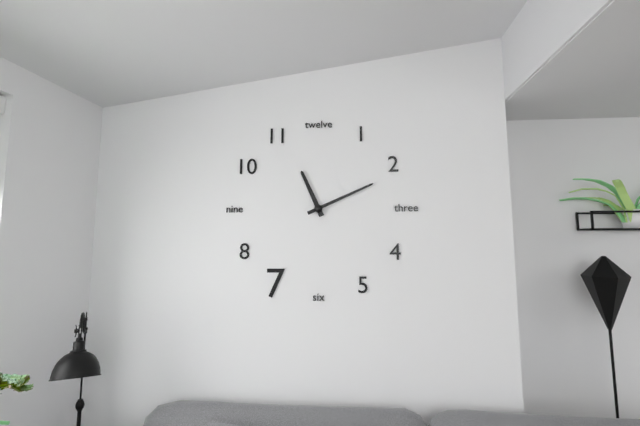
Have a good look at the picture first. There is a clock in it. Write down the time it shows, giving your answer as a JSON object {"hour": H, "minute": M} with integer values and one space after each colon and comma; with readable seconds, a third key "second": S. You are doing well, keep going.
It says {"hour": 11, "minute": 11}
